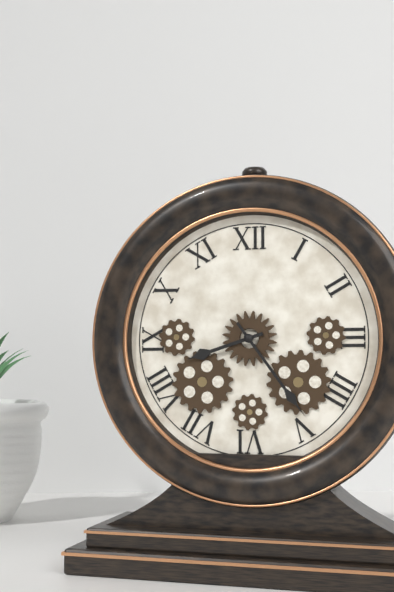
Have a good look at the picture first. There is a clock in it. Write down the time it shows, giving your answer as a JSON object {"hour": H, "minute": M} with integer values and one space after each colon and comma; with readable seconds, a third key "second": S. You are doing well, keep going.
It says {"hour": 8, "minute": 24}
